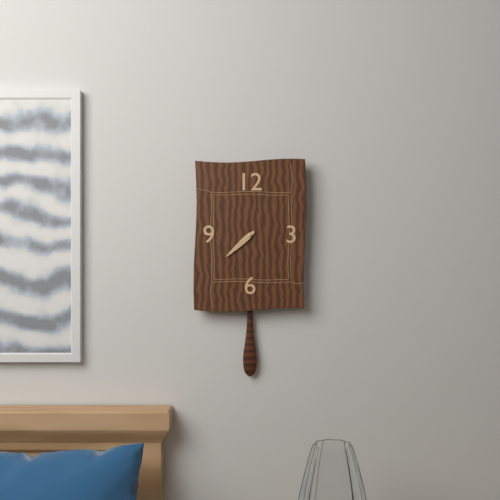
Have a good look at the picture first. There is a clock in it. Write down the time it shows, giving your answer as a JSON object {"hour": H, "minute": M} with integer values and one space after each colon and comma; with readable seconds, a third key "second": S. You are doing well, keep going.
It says {"hour": 7, "minute": 38}
